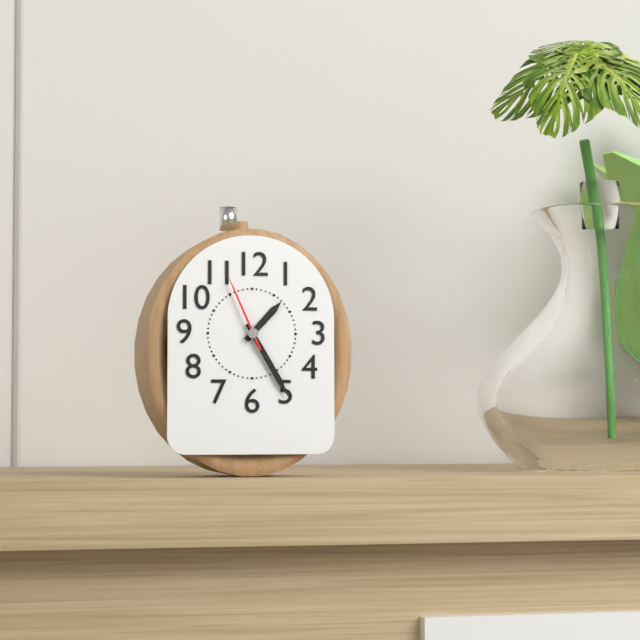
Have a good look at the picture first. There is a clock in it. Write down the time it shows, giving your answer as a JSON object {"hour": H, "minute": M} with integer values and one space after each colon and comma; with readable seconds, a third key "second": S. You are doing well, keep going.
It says {"hour": 1, "minute": 25, "second": 56}
